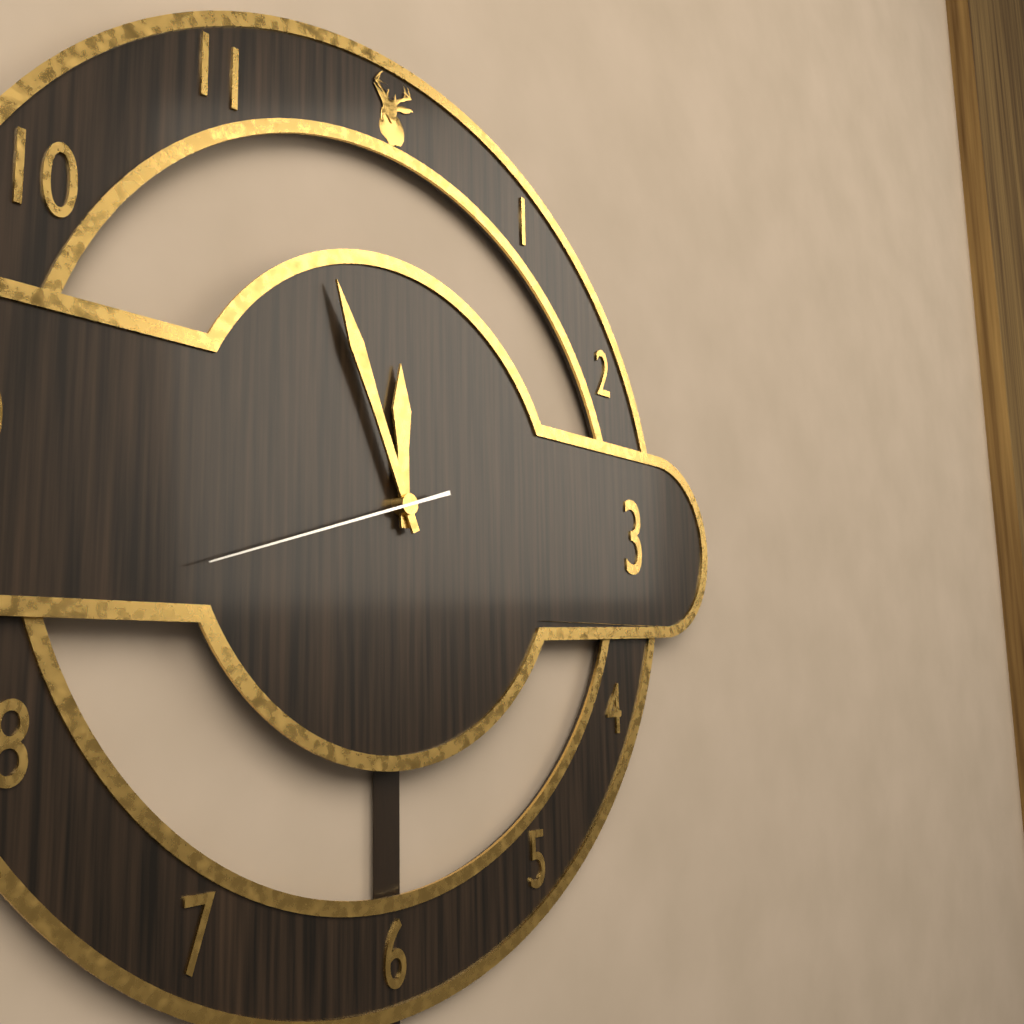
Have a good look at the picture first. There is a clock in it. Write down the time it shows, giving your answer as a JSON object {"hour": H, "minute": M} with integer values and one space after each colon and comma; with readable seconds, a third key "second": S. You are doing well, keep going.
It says {"hour": 11, "minute": 56, "second": 42}
